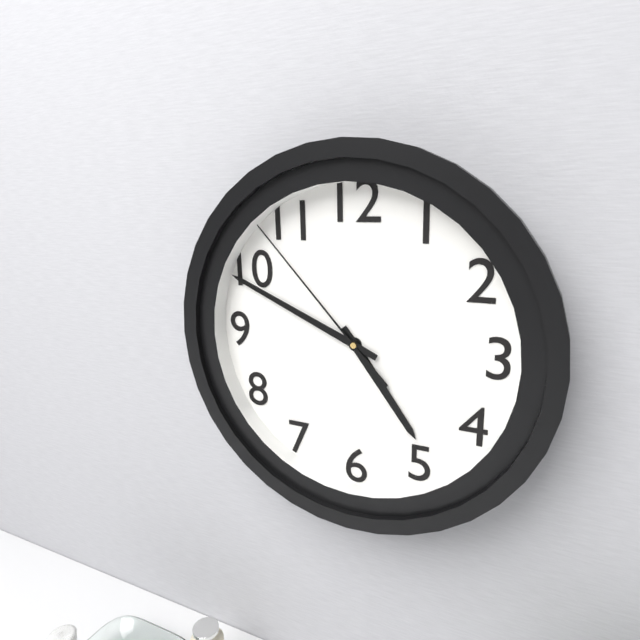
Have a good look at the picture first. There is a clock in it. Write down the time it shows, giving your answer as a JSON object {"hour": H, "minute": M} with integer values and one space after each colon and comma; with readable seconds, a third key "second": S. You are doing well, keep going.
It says {"hour": 4, "minute": 49, "second": 53}
